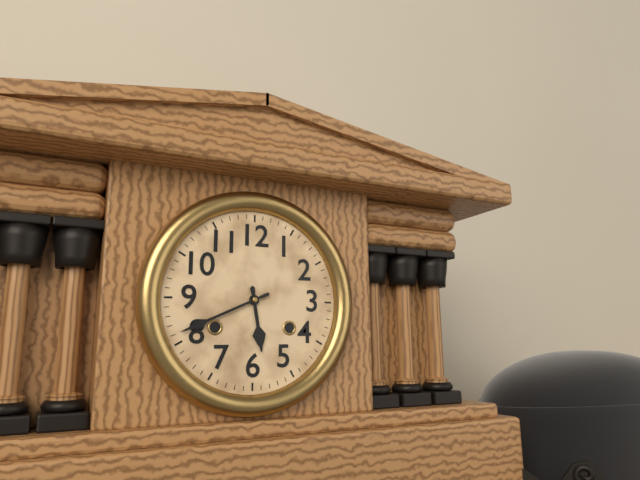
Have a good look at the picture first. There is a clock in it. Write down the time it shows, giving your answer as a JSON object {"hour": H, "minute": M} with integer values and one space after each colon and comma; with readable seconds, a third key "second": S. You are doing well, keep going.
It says {"hour": 5, "minute": 41}
